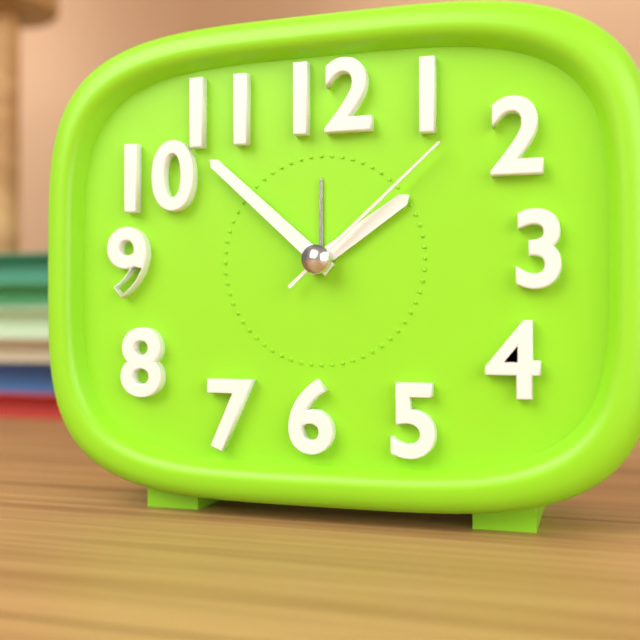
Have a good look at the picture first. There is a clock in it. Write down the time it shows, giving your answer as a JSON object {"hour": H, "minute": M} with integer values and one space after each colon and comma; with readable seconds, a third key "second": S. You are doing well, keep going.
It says {"hour": 1, "minute": 52, "second": 8}
